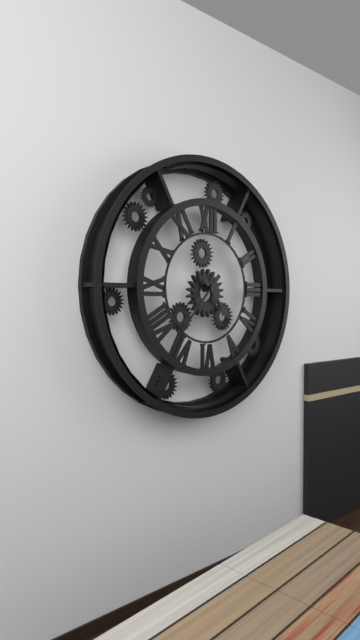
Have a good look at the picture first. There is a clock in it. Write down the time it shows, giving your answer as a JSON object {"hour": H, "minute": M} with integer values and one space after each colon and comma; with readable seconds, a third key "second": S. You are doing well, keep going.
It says {"hour": 4, "minute": 37}
